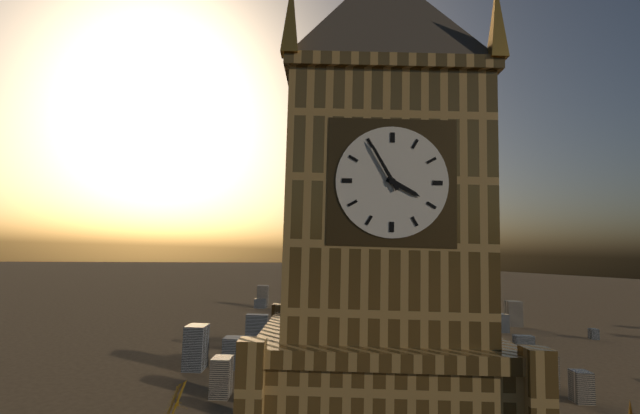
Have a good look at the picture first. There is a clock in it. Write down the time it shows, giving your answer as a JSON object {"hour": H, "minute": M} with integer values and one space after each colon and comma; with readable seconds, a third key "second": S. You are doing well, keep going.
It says {"hour": 3, "minute": 55}
